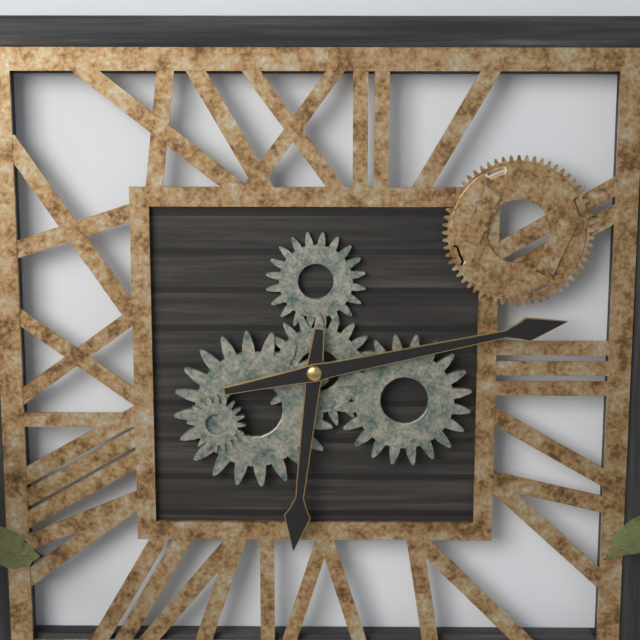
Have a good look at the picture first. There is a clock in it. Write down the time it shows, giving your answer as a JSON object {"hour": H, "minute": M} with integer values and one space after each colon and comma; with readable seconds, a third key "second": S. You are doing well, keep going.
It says {"hour": 6, "minute": 13}
